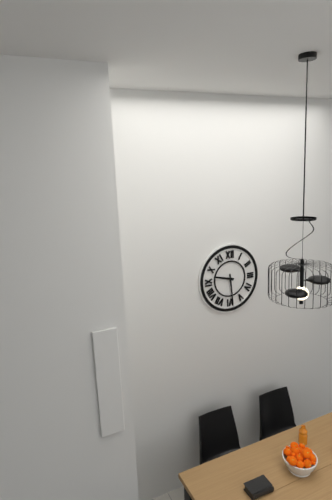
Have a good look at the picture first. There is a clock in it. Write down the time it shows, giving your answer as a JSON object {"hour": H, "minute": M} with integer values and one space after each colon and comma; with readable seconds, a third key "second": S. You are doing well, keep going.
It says {"hour": 9, "minute": 29}
